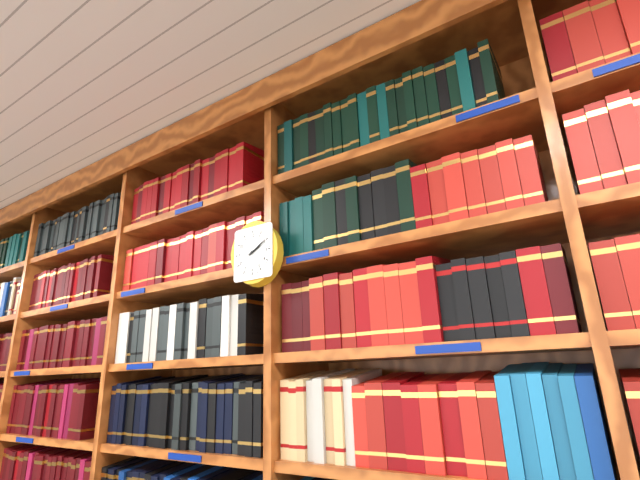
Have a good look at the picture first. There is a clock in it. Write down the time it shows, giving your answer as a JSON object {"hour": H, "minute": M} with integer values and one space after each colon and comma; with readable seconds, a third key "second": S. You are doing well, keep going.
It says {"hour": 2, "minute": 10}
